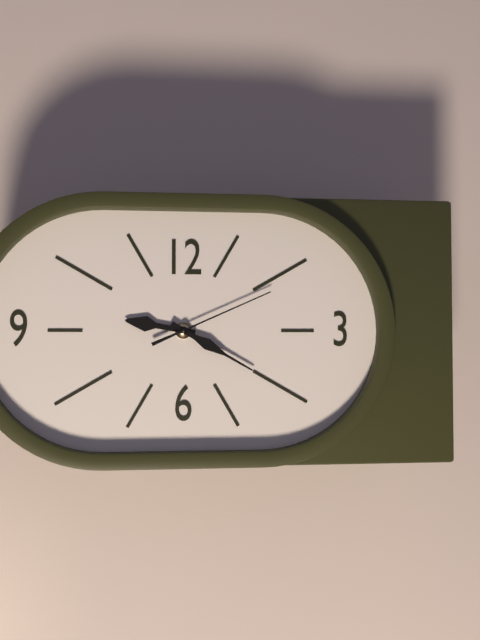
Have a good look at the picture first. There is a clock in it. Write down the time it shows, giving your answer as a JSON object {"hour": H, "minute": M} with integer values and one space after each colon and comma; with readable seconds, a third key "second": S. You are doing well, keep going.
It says {"hour": 9, "minute": 20, "second": 11}
